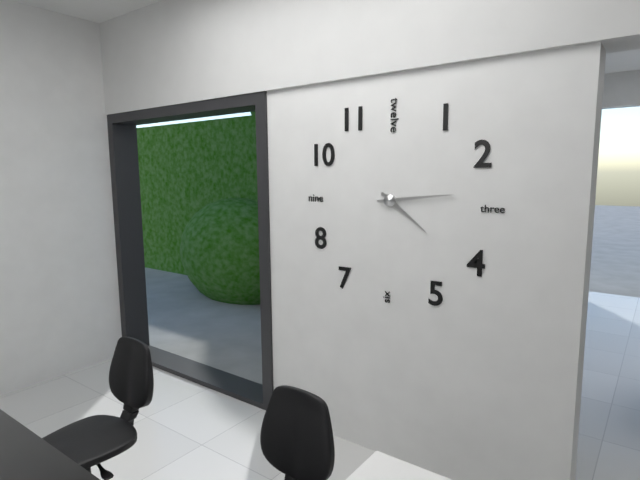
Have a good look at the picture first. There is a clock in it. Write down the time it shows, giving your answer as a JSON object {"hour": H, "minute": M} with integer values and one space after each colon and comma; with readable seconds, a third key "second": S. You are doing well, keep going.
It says {"hour": 4, "minute": 14}
